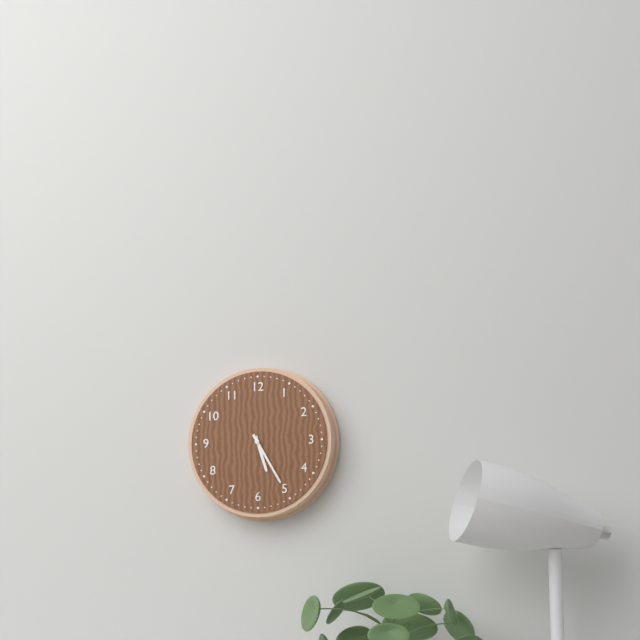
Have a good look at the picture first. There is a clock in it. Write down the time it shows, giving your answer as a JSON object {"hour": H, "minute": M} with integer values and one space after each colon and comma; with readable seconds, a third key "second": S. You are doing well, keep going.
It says {"hour": 5, "minute": 25}
